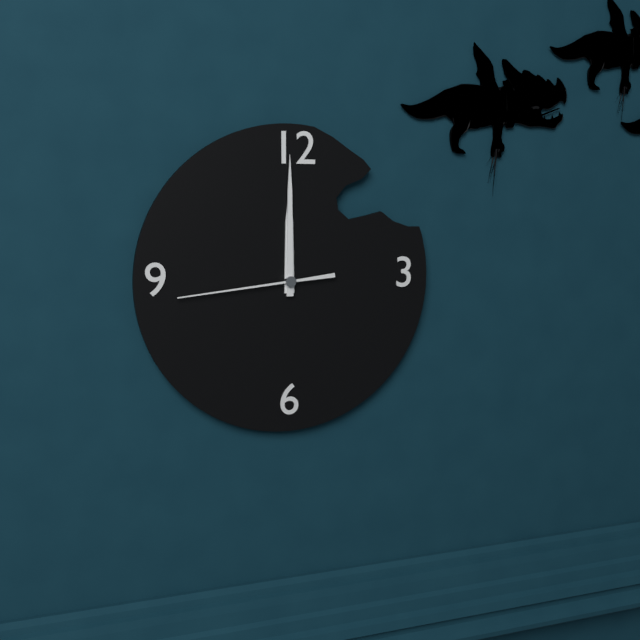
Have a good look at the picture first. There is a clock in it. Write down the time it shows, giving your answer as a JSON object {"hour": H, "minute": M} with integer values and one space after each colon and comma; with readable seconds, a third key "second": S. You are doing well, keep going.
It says {"hour": 12, "minute": 0, "second": 44}
